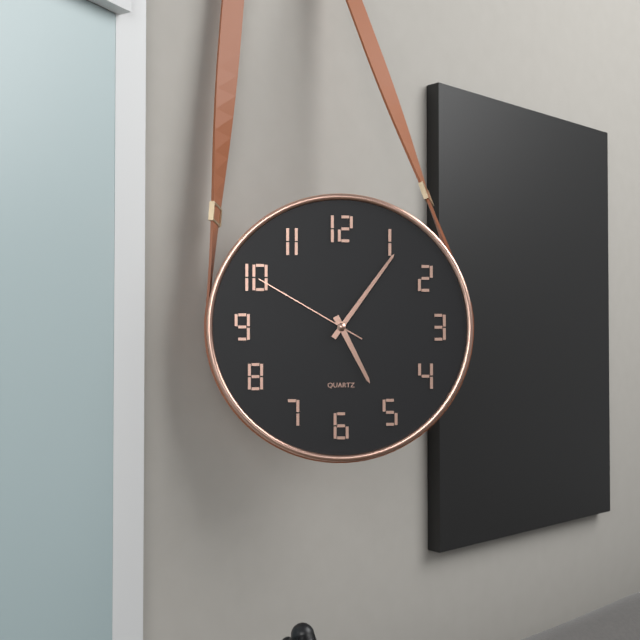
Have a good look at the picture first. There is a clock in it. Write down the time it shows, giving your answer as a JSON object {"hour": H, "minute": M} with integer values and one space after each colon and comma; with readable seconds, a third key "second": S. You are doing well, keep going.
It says {"hour": 5, "minute": 6, "second": 50}
